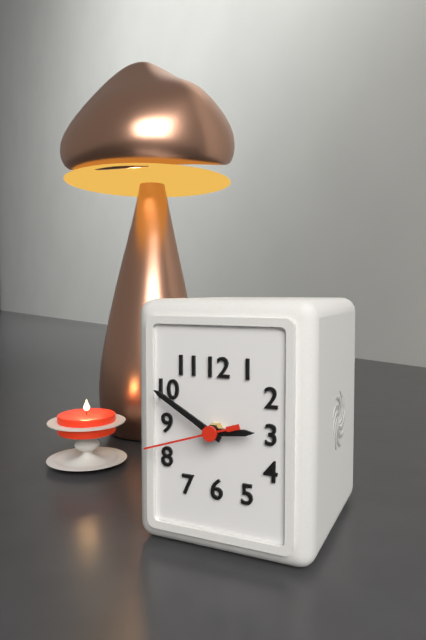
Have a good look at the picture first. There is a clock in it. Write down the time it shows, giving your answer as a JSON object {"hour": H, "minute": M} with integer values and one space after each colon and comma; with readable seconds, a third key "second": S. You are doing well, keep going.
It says {"hour": 2, "minute": 50, "second": 42}
